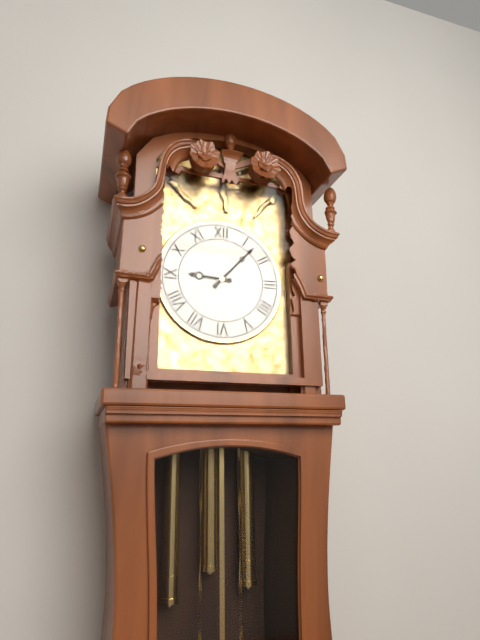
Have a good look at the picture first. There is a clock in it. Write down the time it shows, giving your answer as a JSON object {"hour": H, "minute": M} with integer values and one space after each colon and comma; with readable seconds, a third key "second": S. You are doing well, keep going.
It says {"hour": 9, "minute": 7}
